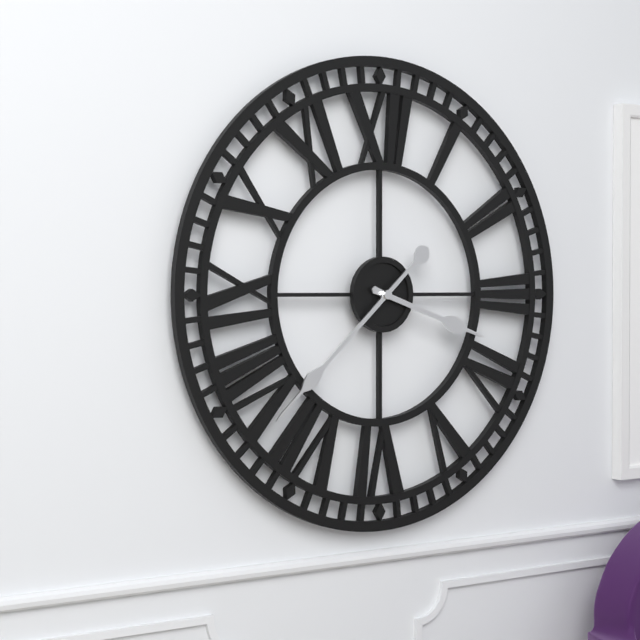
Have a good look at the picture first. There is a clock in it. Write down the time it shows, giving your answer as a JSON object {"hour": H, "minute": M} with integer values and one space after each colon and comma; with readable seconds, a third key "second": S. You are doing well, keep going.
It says {"hour": 3, "minute": 38}
